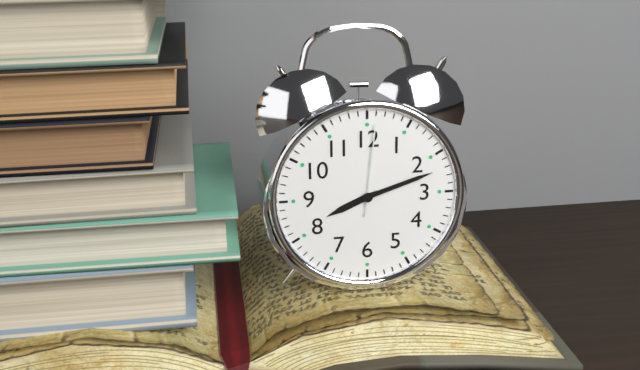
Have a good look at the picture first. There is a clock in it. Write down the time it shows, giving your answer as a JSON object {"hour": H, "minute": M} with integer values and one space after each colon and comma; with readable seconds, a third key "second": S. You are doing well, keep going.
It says {"hour": 8, "minute": 12, "second": 1}
